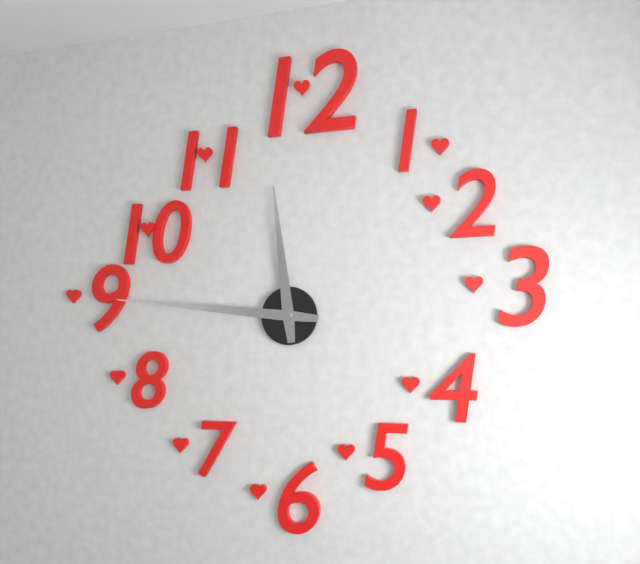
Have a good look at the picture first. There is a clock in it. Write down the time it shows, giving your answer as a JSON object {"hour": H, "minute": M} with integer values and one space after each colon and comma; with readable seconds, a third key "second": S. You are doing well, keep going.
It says {"hour": 11, "minute": 46}
